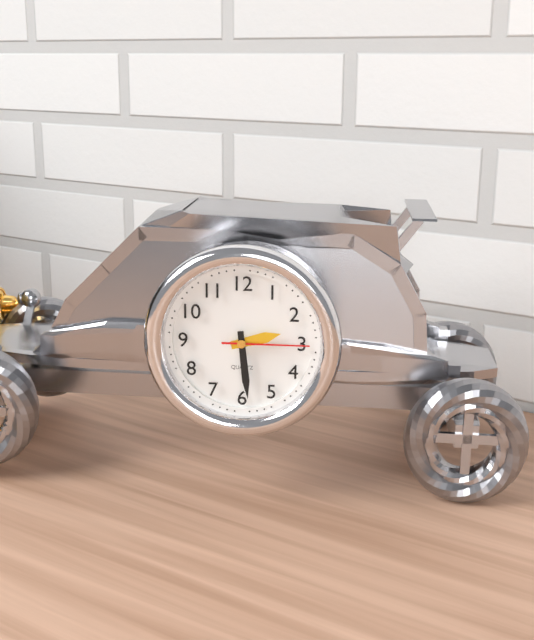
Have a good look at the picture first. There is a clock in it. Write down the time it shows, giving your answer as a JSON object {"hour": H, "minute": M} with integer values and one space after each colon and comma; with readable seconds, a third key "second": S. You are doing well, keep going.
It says {"hour": 2, "minute": 29, "second": 15}
